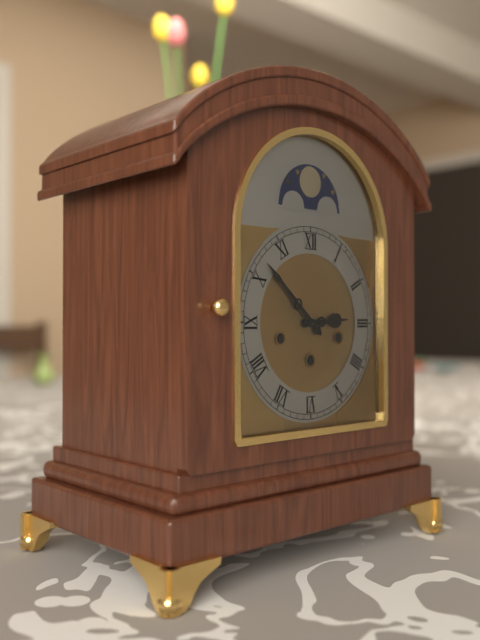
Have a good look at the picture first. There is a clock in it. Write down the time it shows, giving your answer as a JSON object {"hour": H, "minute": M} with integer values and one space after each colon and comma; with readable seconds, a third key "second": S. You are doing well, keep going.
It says {"hour": 2, "minute": 52}
